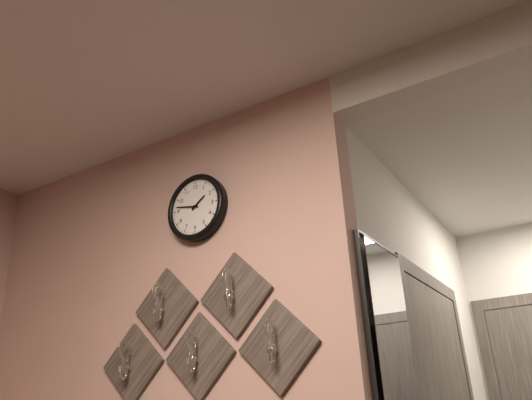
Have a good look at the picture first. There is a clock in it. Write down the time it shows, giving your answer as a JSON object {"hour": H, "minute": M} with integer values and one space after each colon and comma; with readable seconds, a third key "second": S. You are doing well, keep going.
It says {"hour": 1, "minute": 47}
